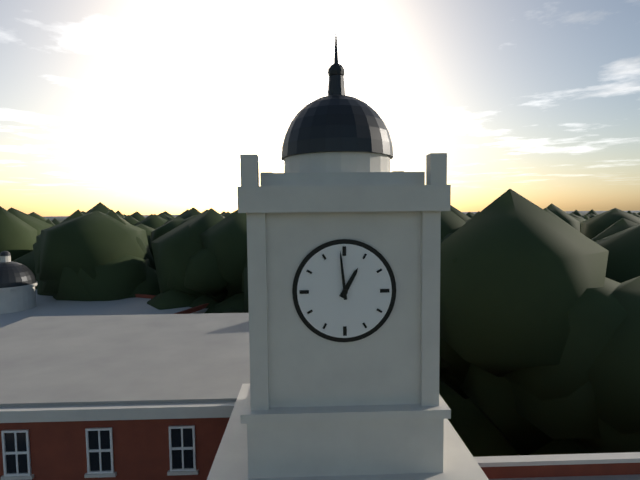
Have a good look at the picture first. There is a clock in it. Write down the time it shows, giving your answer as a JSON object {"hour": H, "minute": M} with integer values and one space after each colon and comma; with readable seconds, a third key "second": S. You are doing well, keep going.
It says {"hour": 12, "minute": 59}
